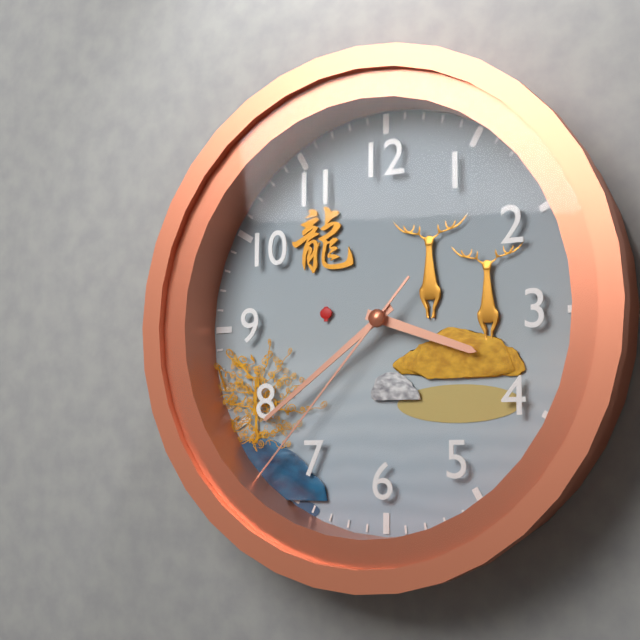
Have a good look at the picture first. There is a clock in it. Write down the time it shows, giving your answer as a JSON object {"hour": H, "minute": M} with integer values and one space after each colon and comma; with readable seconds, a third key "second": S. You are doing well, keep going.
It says {"hour": 3, "minute": 39, "second": 37}
